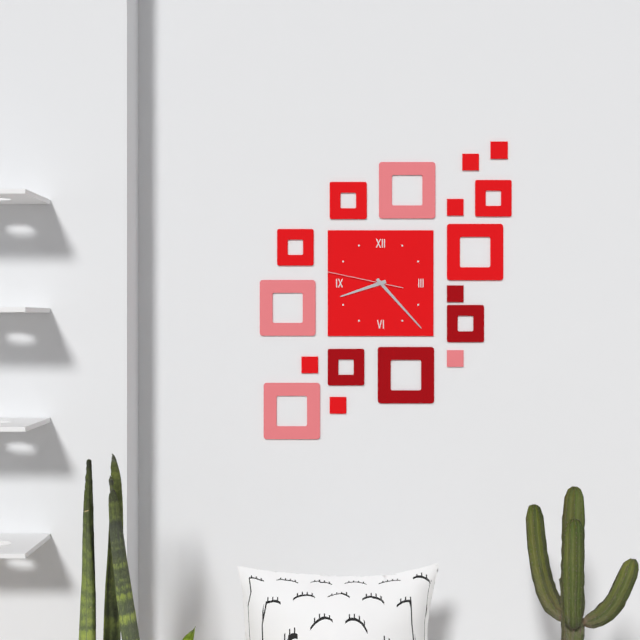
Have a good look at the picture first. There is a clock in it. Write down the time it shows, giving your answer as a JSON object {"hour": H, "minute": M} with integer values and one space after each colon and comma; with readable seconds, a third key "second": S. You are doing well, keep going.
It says {"hour": 8, "minute": 23, "second": 47}
